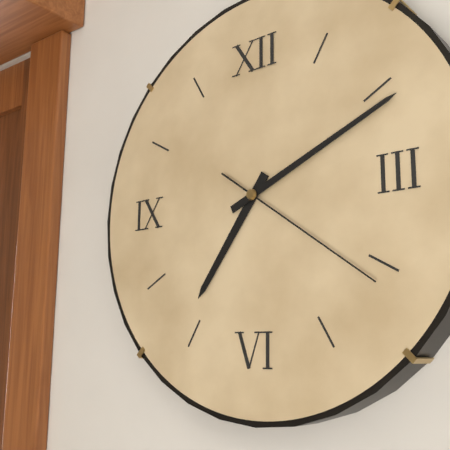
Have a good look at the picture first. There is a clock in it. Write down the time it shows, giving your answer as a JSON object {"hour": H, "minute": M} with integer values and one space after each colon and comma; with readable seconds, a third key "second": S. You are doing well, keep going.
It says {"hour": 7, "minute": 11, "second": 21}
